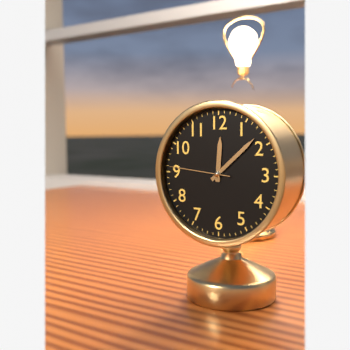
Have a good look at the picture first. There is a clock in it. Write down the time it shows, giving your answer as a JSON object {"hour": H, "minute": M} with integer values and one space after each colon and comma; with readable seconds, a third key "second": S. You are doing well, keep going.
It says {"hour": 12, "minute": 8, "second": 46}
